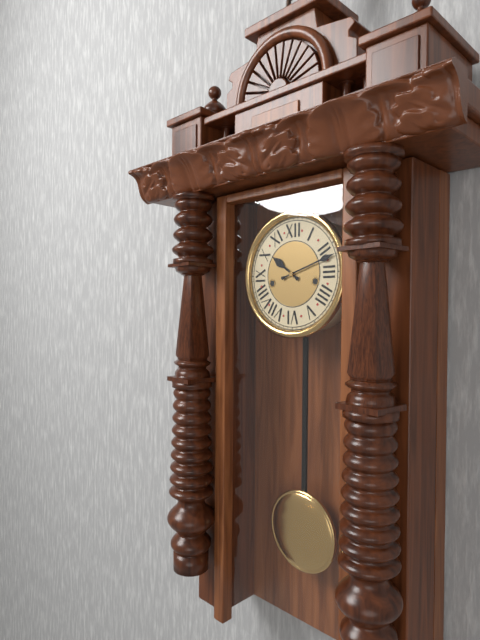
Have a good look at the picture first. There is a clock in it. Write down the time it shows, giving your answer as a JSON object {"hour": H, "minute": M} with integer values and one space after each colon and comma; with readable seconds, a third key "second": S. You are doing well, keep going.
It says {"hour": 10, "minute": 12}
